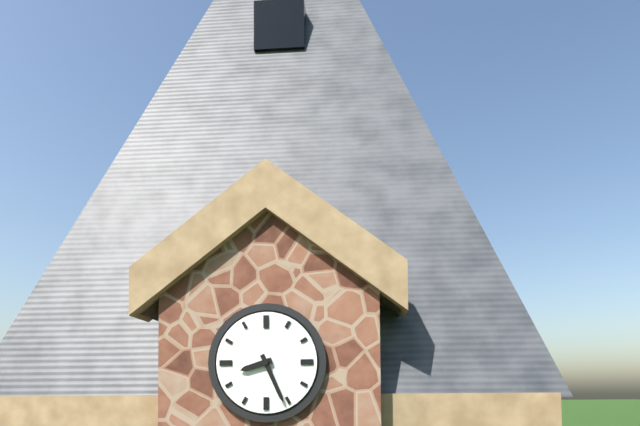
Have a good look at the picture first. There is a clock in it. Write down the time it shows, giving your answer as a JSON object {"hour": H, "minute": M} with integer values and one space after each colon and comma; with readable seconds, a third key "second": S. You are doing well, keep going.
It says {"hour": 8, "minute": 26}
